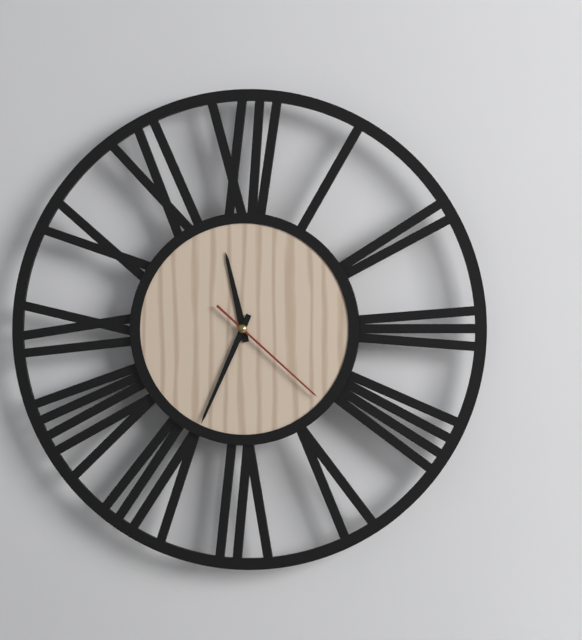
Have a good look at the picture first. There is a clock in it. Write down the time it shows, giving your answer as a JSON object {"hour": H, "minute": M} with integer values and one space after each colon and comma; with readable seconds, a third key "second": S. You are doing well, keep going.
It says {"hour": 11, "minute": 34, "second": 22}
